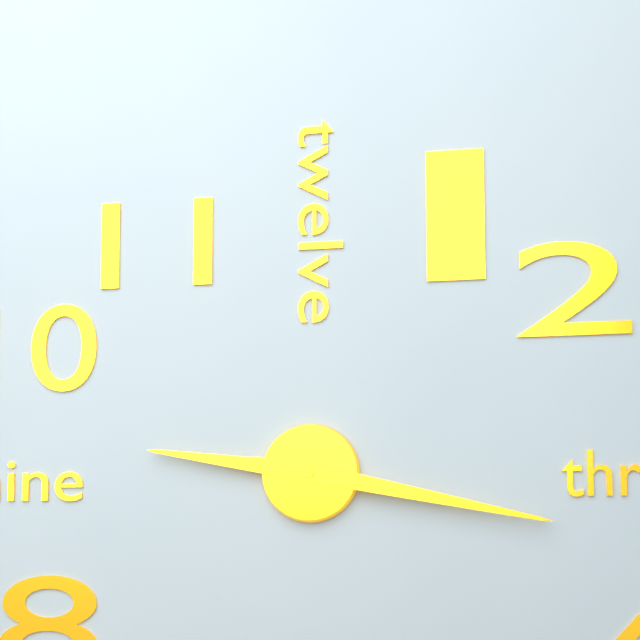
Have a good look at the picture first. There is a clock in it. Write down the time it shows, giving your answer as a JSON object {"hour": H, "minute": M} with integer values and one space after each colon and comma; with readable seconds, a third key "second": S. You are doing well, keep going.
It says {"hour": 9, "minute": 17}
